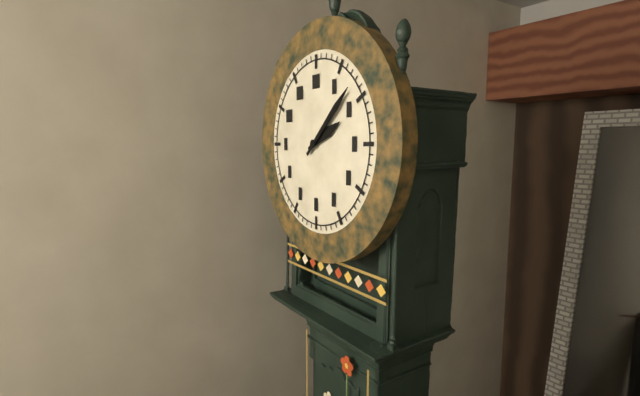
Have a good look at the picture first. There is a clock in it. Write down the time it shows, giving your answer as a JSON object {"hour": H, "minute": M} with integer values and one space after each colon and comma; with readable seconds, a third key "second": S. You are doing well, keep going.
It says {"hour": 2, "minute": 8}
